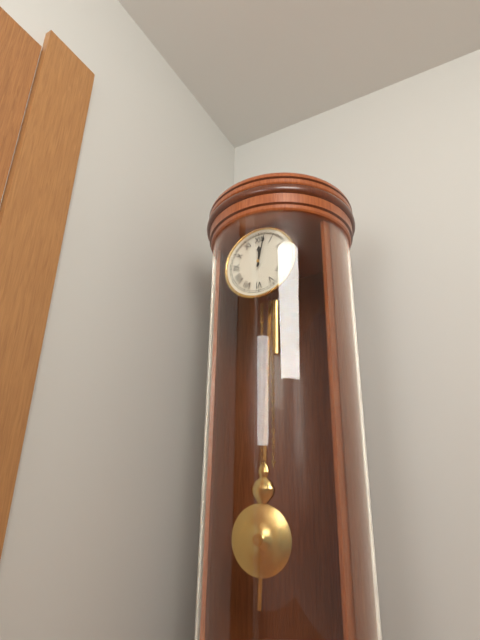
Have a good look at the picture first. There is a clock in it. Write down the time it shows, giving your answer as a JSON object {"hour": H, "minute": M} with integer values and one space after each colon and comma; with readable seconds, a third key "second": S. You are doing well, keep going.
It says {"hour": 12, "minute": 2}
